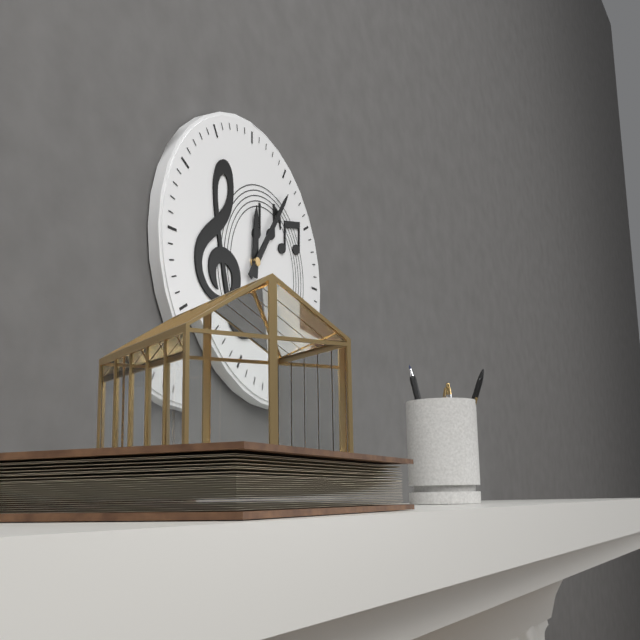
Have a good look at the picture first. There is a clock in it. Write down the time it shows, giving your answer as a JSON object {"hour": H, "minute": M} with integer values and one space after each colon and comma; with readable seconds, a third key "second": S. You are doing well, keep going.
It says {"hour": 12, "minute": 6}
